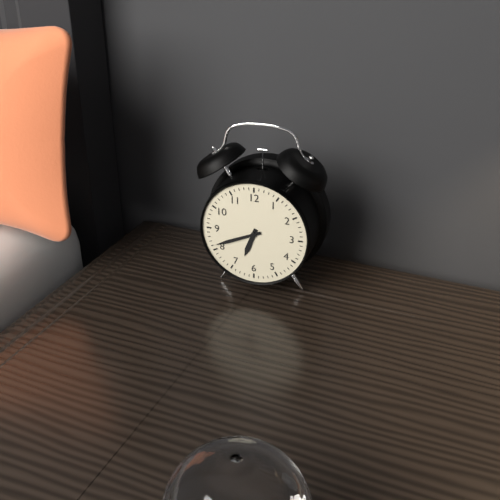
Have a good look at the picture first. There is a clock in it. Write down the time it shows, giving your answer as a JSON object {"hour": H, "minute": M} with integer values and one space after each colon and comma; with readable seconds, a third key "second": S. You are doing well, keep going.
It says {"hour": 6, "minute": 41}
